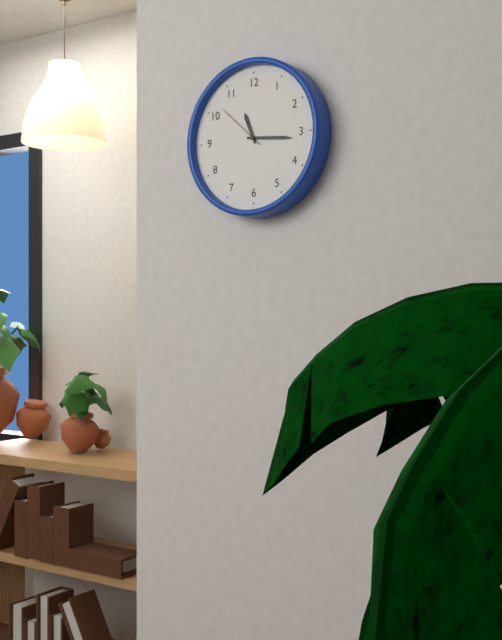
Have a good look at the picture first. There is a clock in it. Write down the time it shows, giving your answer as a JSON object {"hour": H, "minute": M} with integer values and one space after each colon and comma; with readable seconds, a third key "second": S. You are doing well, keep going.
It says {"hour": 11, "minute": 16, "second": 52}
